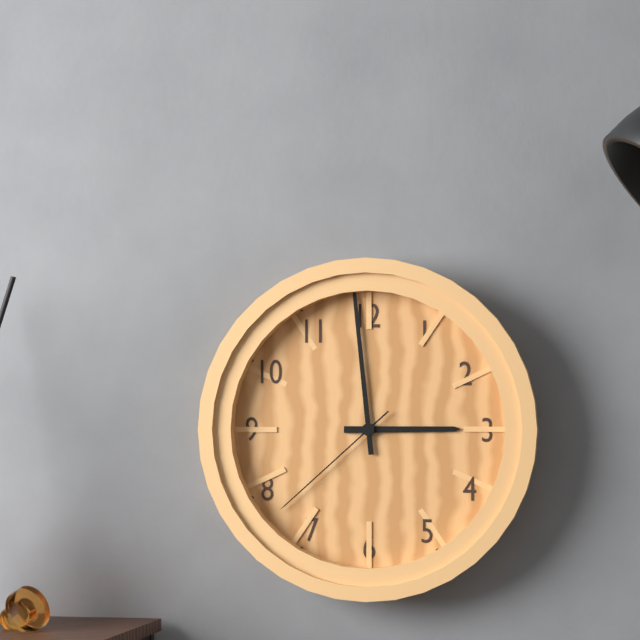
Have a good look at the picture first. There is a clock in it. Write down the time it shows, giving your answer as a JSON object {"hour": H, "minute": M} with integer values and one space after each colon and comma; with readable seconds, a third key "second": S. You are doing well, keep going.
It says {"hour": 2, "minute": 59, "second": 38}
